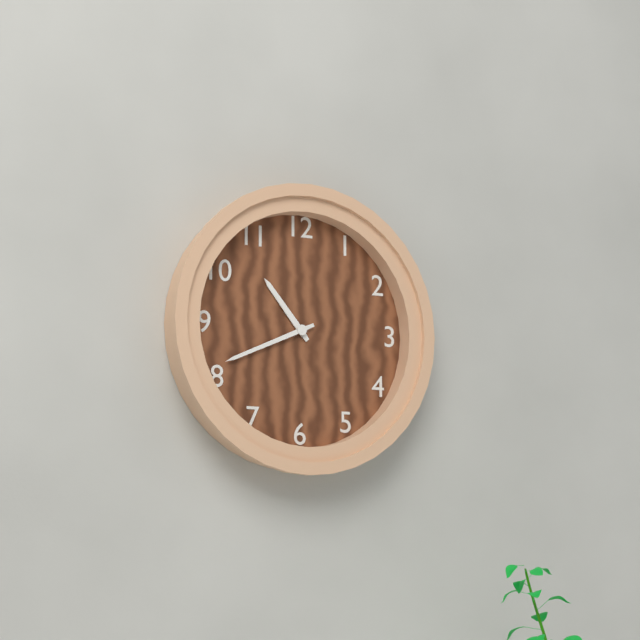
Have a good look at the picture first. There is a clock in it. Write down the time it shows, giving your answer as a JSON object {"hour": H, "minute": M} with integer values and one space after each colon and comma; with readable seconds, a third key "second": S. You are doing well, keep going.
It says {"hour": 10, "minute": 41}
